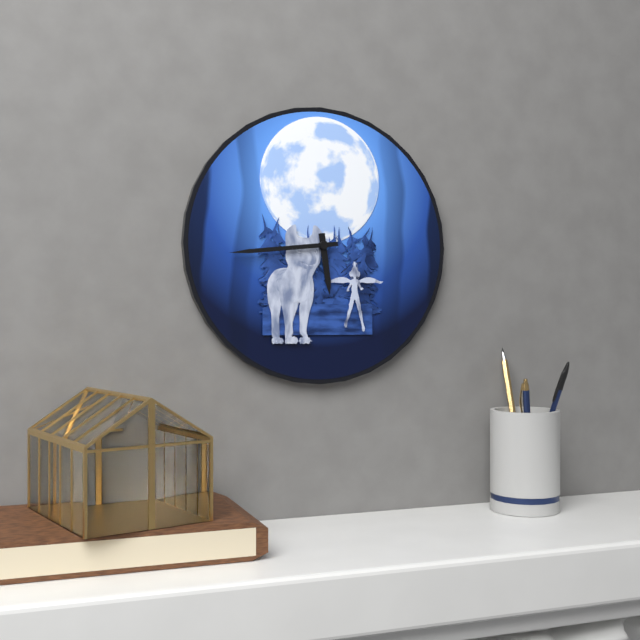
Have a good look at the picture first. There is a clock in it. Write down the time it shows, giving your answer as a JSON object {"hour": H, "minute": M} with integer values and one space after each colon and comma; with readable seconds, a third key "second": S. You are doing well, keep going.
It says {"hour": 5, "minute": 44}
